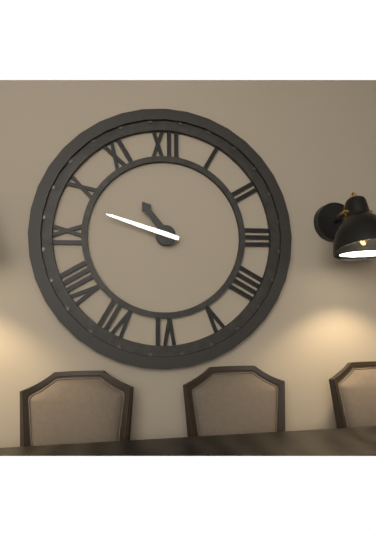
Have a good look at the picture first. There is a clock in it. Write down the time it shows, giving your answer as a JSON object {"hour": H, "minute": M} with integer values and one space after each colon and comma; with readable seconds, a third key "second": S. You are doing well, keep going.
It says {"hour": 10, "minute": 48}
